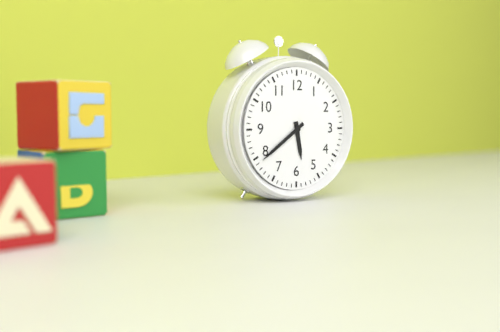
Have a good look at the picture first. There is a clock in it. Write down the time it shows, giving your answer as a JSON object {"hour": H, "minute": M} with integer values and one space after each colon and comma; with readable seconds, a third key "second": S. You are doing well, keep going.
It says {"hour": 5, "minute": 39}
